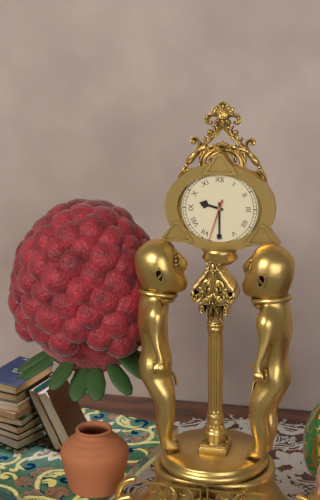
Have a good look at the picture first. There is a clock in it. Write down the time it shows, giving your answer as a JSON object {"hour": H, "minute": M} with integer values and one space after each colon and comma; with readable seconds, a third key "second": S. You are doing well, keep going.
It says {"hour": 9, "minute": 30}
